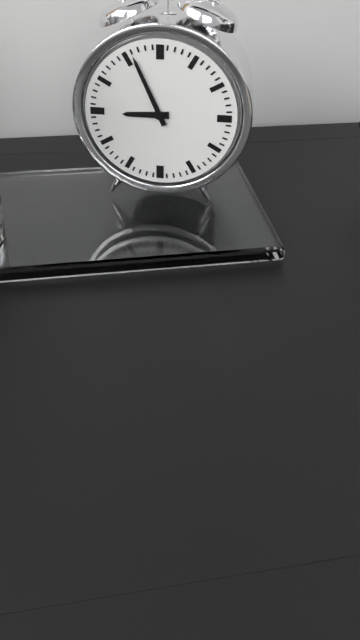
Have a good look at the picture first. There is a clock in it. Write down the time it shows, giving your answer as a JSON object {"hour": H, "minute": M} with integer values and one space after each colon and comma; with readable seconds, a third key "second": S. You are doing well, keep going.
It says {"hour": 8, "minute": 56}
